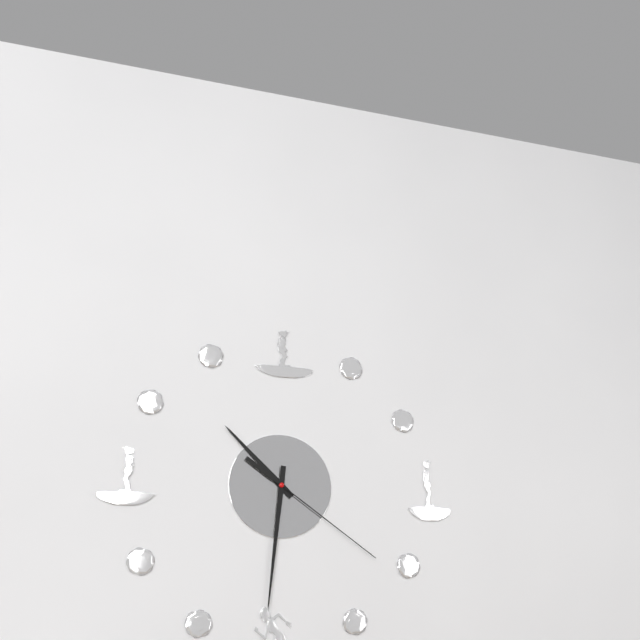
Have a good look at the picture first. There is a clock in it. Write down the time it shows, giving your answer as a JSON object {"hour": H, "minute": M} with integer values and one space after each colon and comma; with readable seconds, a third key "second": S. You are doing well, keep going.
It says {"hour": 10, "minute": 31, "second": 21}
